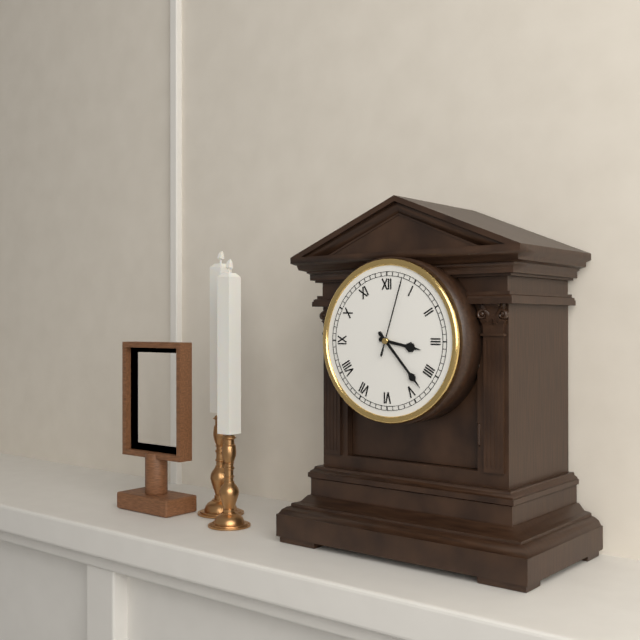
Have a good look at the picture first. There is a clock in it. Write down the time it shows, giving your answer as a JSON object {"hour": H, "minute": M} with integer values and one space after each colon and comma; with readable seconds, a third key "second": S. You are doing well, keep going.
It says {"hour": 3, "minute": 23, "second": 3}
